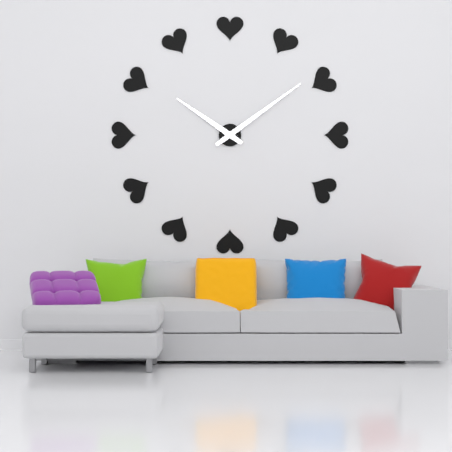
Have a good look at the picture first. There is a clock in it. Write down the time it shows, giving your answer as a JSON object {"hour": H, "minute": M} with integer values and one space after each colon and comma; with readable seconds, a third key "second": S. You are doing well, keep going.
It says {"hour": 10, "minute": 9}
